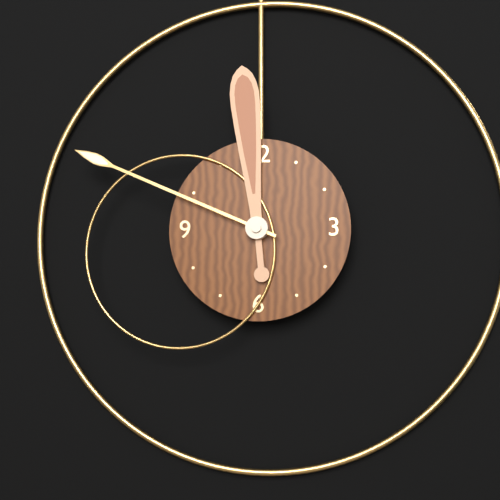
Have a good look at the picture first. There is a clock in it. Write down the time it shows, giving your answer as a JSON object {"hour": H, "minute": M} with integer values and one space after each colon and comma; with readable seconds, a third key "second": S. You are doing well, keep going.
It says {"hour": 11, "minute": 49}
